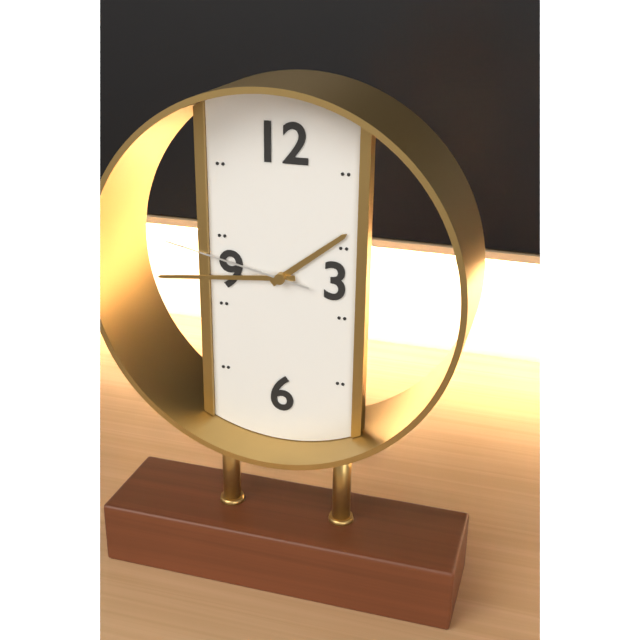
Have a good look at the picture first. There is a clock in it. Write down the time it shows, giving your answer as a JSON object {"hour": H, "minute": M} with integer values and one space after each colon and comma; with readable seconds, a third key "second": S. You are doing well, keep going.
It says {"hour": 1, "minute": 44, "second": 47}
